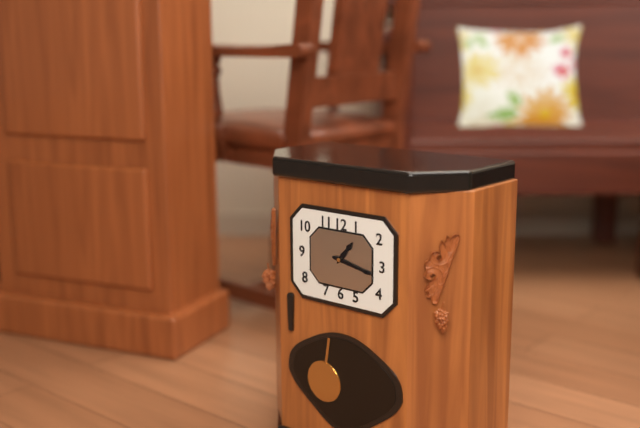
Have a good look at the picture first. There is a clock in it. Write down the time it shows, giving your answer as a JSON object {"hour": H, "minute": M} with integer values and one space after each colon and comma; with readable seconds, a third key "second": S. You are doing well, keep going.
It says {"hour": 1, "minute": 17}
